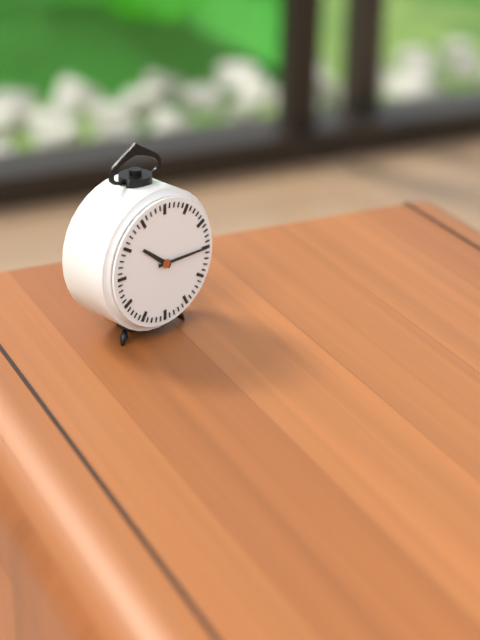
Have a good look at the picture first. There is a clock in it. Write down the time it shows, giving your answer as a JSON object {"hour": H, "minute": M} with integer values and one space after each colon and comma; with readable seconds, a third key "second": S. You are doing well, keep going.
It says {"hour": 10, "minute": 15}
